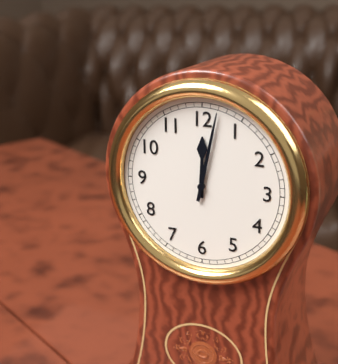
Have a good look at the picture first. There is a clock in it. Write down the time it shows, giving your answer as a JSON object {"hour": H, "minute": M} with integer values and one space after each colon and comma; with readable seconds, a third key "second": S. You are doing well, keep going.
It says {"hour": 12, "minute": 2}
